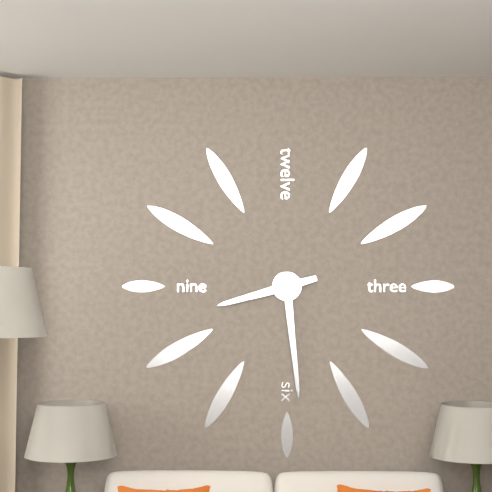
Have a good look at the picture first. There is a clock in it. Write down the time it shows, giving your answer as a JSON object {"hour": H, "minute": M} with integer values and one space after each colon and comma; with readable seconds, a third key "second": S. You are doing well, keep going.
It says {"hour": 8, "minute": 29}
